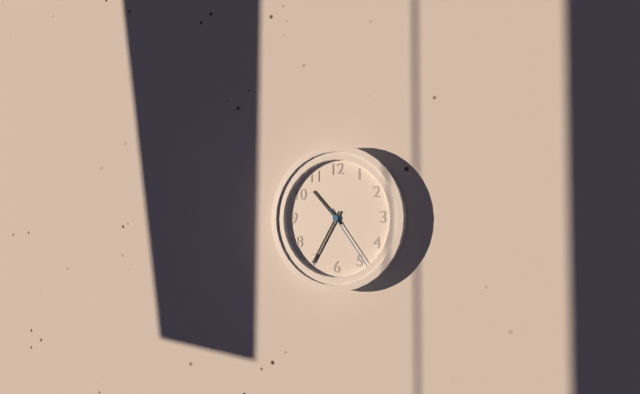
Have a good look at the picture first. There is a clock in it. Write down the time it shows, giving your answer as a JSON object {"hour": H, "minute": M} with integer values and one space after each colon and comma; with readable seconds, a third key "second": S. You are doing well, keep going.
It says {"hour": 10, "minute": 35, "second": 24}
